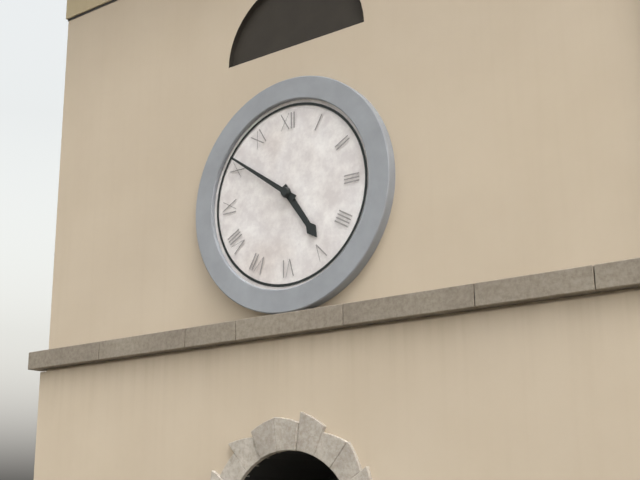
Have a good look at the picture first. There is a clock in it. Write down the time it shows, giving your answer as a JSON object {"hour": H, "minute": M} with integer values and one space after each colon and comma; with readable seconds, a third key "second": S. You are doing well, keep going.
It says {"hour": 4, "minute": 51}
